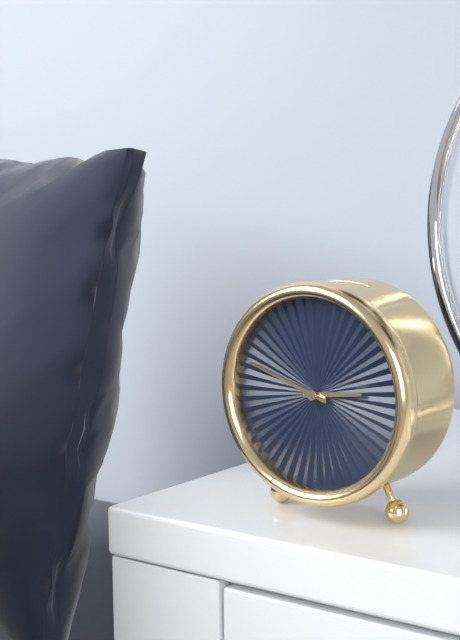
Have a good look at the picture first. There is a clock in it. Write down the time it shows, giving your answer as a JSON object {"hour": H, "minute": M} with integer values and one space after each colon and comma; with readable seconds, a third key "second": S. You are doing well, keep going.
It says {"hour": 2, "minute": 48}
